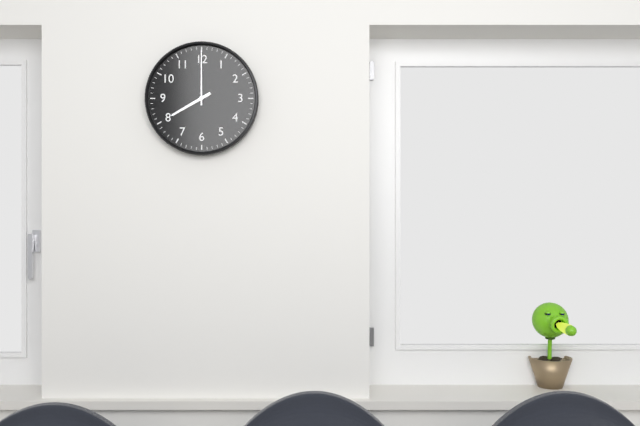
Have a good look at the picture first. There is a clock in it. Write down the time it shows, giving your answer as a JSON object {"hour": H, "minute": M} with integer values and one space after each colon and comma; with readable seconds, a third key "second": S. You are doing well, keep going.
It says {"hour": 8, "minute": 0}
